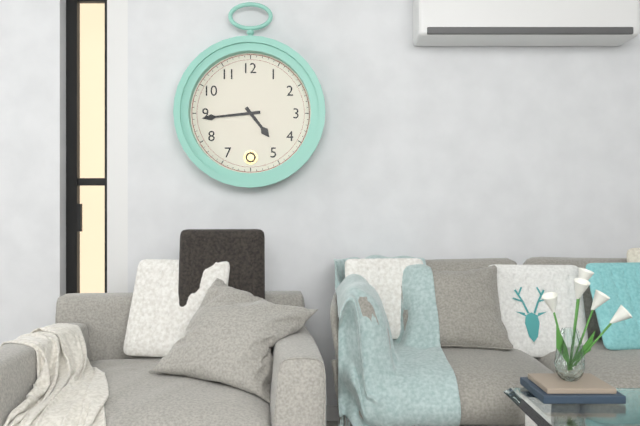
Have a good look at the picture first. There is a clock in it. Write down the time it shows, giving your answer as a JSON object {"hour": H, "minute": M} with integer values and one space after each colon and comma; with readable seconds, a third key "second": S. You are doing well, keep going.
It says {"hour": 4, "minute": 44}
